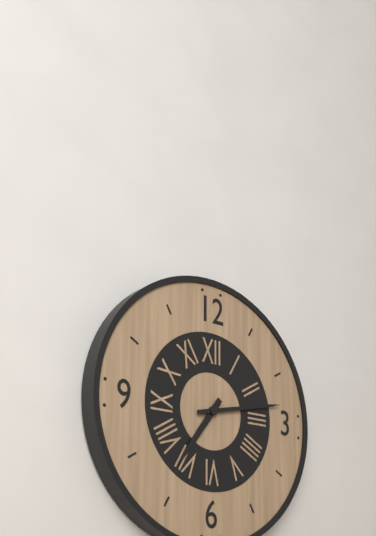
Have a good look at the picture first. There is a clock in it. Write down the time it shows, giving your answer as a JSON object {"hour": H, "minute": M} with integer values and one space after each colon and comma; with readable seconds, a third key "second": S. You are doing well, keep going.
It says {"hour": 7, "minute": 13}
